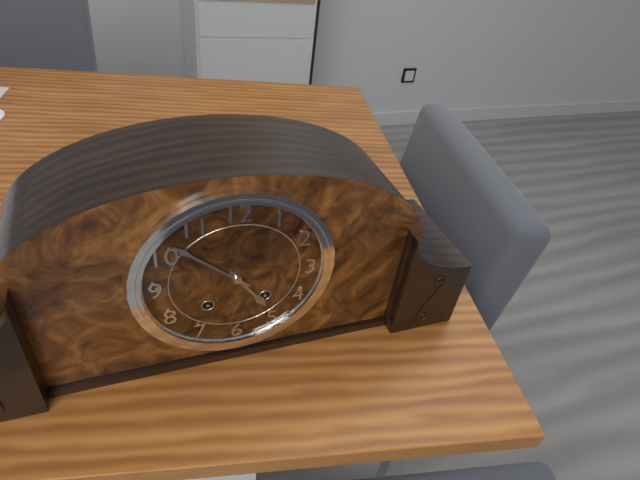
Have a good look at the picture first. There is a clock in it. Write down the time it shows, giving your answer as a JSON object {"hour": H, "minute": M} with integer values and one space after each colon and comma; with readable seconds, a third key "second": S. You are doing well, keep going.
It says {"hour": 4, "minute": 52}
